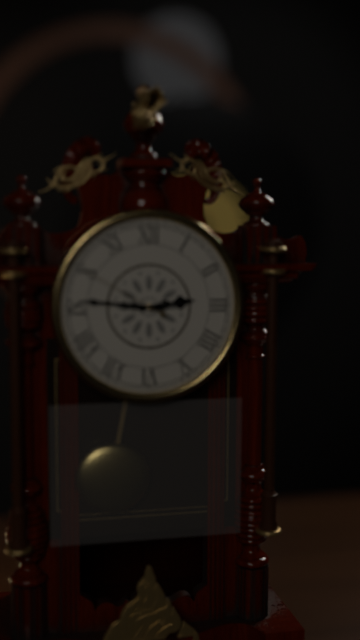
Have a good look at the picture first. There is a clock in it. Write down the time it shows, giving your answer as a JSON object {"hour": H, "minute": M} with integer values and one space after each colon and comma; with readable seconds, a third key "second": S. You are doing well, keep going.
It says {"hour": 2, "minute": 46, "second": 50}
